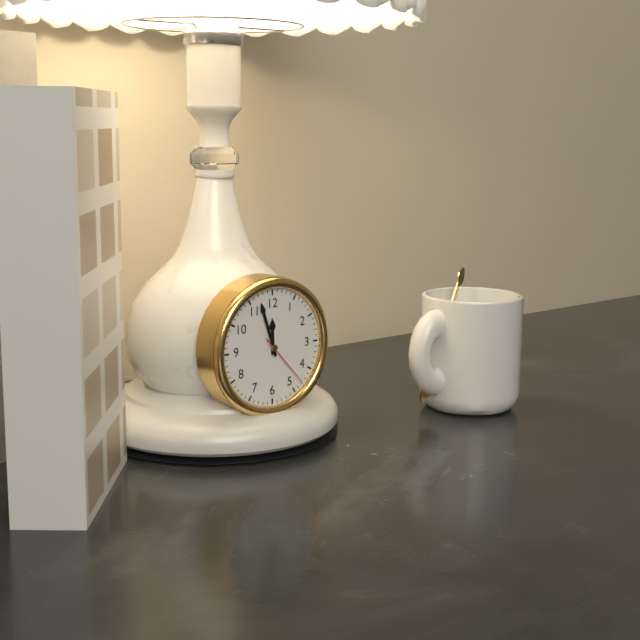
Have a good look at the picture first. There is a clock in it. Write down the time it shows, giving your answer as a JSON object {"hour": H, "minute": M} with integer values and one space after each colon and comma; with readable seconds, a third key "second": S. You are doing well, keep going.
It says {"hour": 11, "minute": 57, "second": 23}
